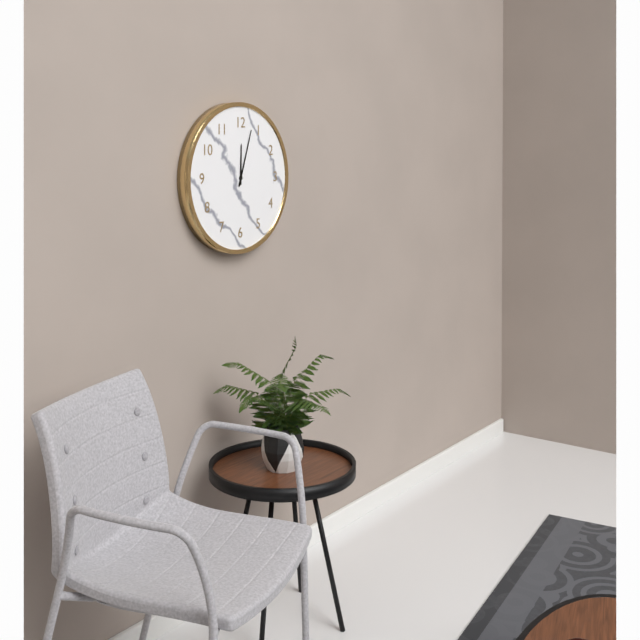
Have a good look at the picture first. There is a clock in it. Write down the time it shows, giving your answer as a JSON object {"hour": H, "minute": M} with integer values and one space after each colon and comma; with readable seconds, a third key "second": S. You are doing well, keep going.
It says {"hour": 12, "minute": 3}
